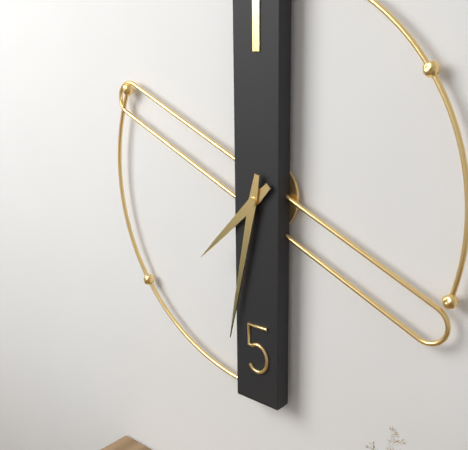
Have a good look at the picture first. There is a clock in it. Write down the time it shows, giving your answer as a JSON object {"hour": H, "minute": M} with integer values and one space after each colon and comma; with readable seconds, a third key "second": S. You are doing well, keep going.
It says {"hour": 7, "minute": 32}
